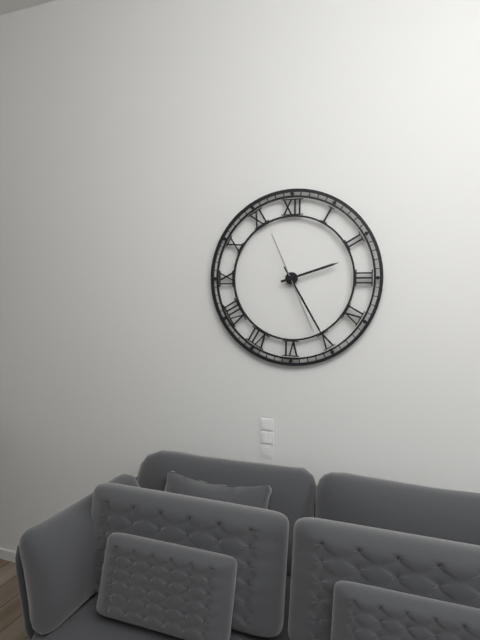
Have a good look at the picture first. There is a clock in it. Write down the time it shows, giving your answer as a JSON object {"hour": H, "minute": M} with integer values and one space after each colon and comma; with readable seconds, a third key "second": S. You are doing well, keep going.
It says {"hour": 2, "minute": 25, "second": 26}
